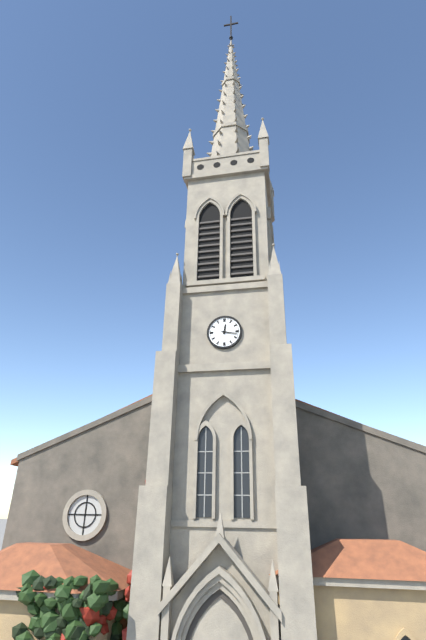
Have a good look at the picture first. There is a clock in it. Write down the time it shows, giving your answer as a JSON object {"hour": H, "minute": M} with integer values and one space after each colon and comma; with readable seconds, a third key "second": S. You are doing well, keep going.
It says {"hour": 12, "minute": 17}
